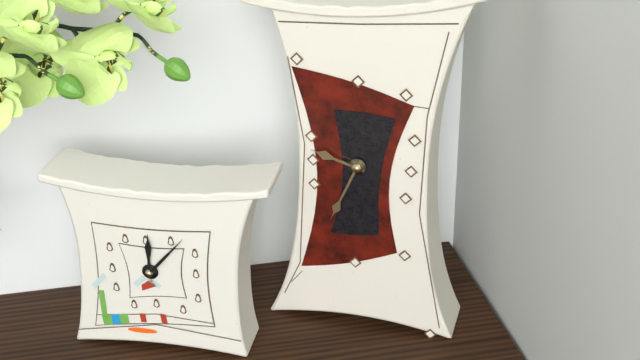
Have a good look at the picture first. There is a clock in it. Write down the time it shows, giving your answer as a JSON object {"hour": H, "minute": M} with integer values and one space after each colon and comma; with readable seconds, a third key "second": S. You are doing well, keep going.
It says {"hour": 9, "minute": 34}
